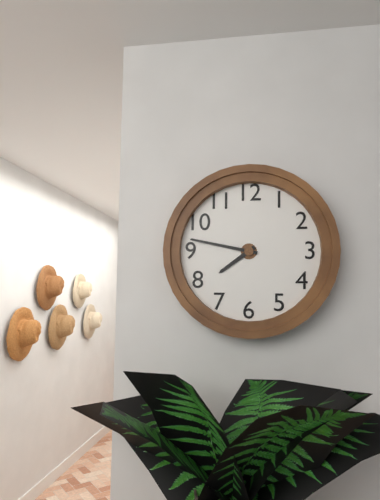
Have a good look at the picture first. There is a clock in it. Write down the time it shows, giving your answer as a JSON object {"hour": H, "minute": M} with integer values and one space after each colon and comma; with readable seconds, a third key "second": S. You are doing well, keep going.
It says {"hour": 7, "minute": 47}
